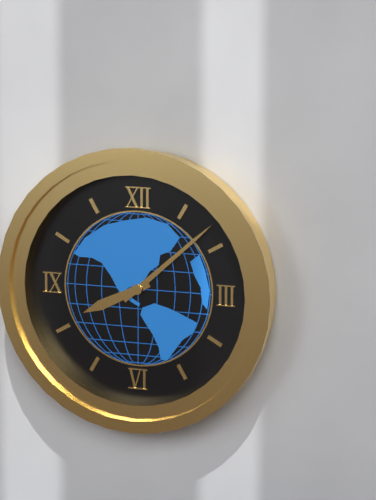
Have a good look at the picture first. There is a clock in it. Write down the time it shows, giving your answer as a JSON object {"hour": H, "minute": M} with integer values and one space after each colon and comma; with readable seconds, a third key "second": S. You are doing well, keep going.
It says {"hour": 8, "minute": 8}
